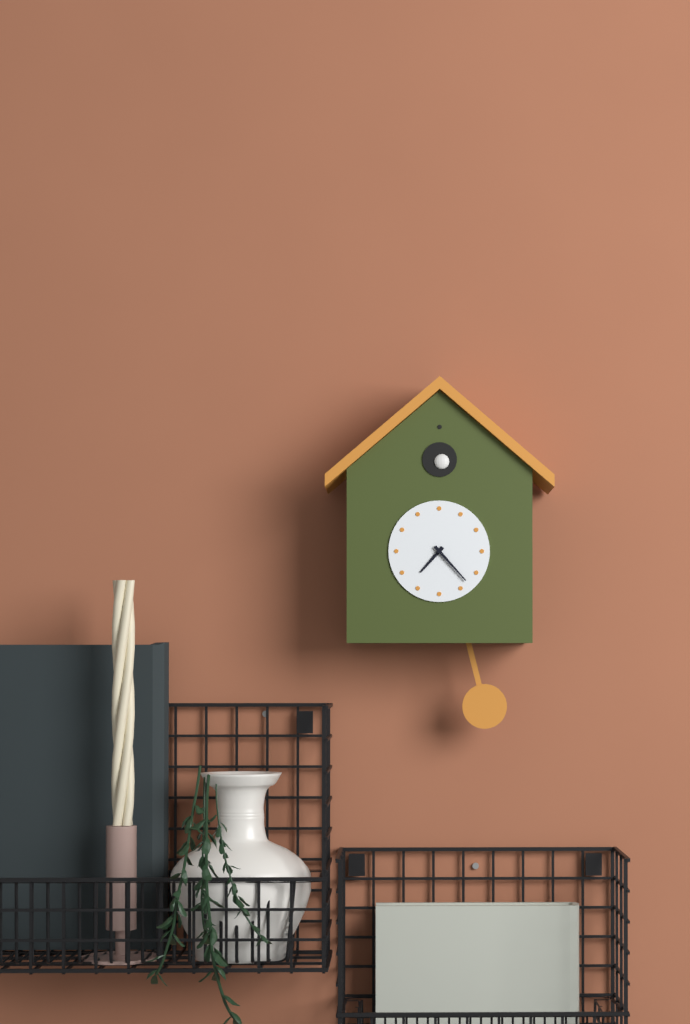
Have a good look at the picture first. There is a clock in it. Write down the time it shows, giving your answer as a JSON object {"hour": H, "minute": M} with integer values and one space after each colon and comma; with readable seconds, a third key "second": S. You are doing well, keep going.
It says {"hour": 7, "minute": 23}
